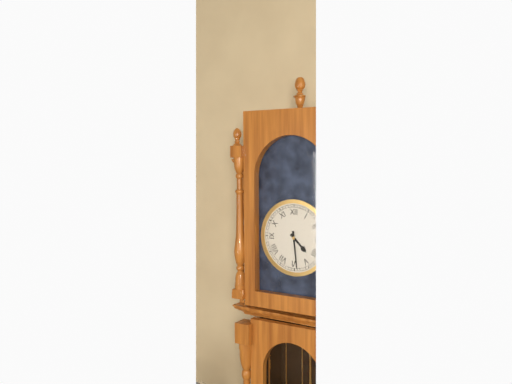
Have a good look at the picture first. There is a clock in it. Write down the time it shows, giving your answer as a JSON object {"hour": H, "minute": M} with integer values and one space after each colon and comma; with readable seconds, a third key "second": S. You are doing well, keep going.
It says {"hour": 4, "minute": 29}
